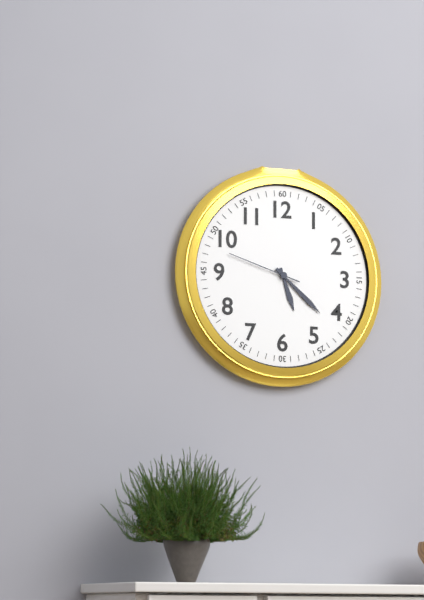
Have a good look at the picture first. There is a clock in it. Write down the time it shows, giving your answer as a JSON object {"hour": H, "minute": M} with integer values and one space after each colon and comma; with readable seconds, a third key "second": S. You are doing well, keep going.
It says {"hour": 5, "minute": 22, "second": 48}
